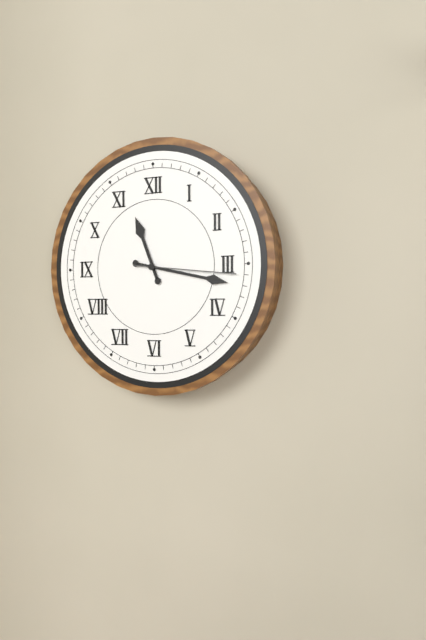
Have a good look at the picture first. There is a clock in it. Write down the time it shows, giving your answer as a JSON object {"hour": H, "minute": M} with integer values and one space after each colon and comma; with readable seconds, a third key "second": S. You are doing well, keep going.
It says {"hour": 11, "minute": 17, "second": 16}
